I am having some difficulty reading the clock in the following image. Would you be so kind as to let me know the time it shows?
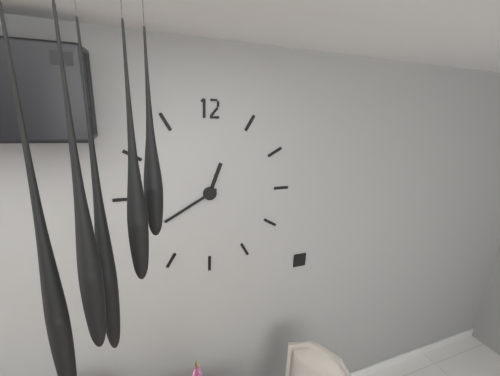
12:40
